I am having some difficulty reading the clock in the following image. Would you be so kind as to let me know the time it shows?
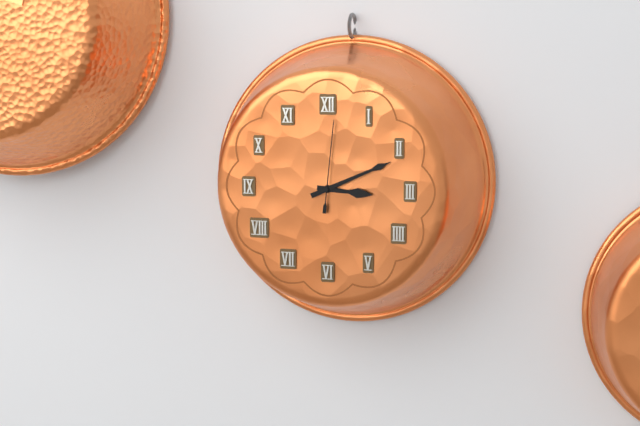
3:11:01
